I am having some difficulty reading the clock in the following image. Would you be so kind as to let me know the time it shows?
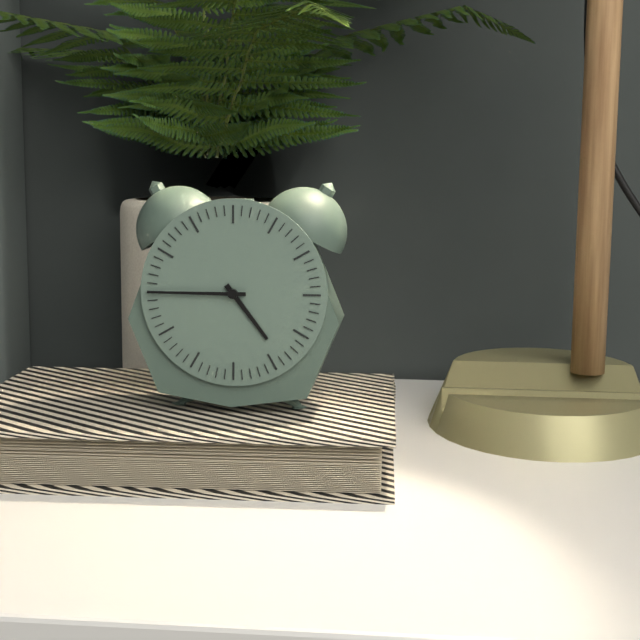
4:45
